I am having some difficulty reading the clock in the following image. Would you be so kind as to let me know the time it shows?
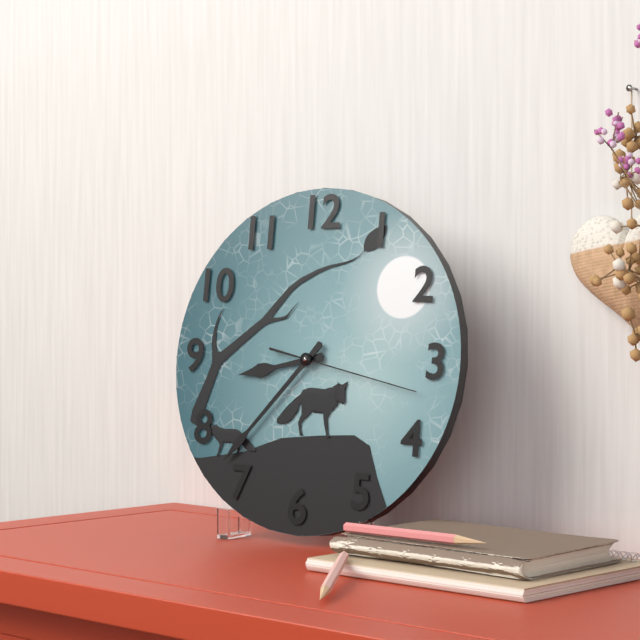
8:37:17
